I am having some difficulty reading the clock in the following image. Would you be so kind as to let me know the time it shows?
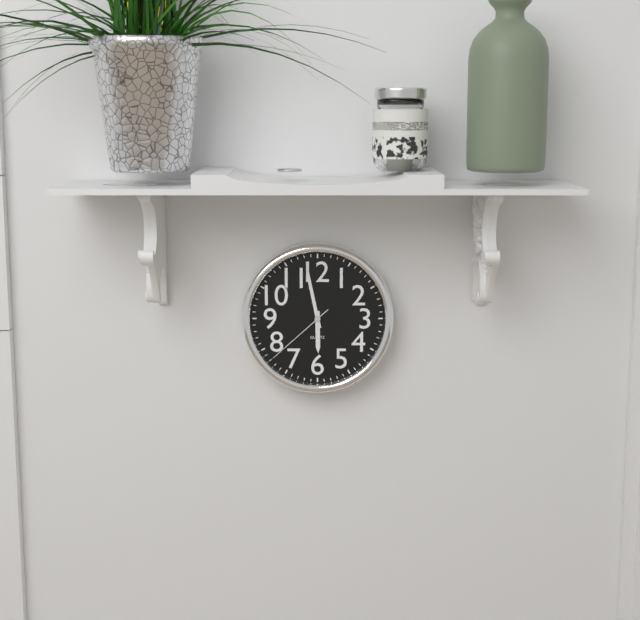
5:58:38
